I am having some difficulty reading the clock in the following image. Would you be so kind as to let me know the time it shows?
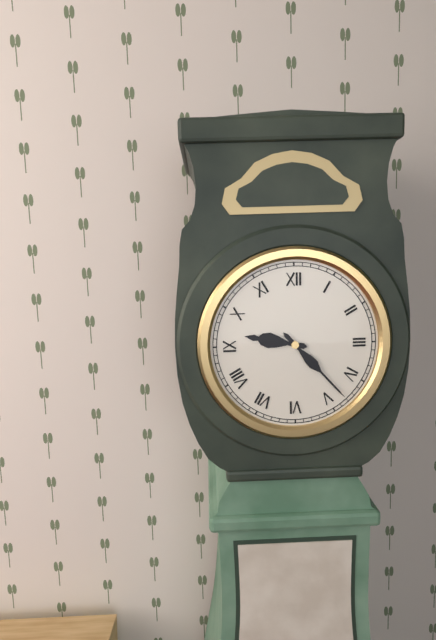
9:23
